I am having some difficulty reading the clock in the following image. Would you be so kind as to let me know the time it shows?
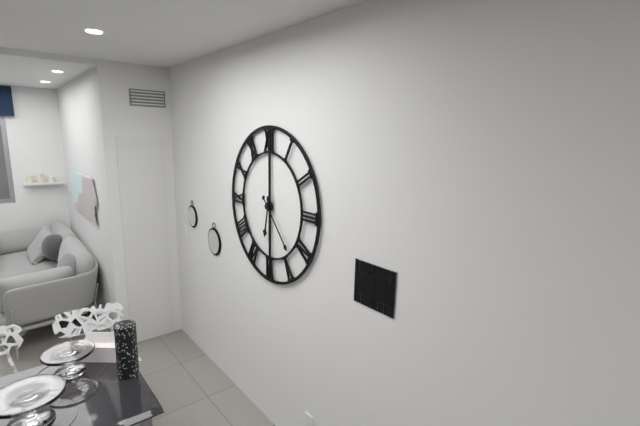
6:23
